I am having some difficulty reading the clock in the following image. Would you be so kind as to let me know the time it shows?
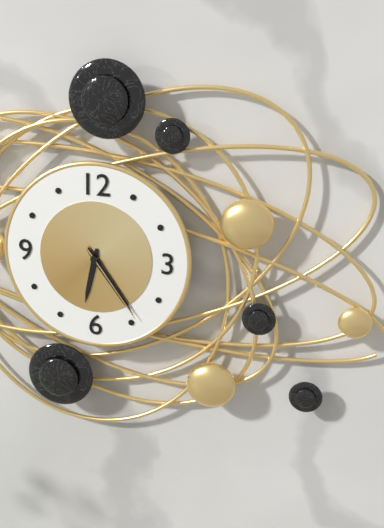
6:24:24
